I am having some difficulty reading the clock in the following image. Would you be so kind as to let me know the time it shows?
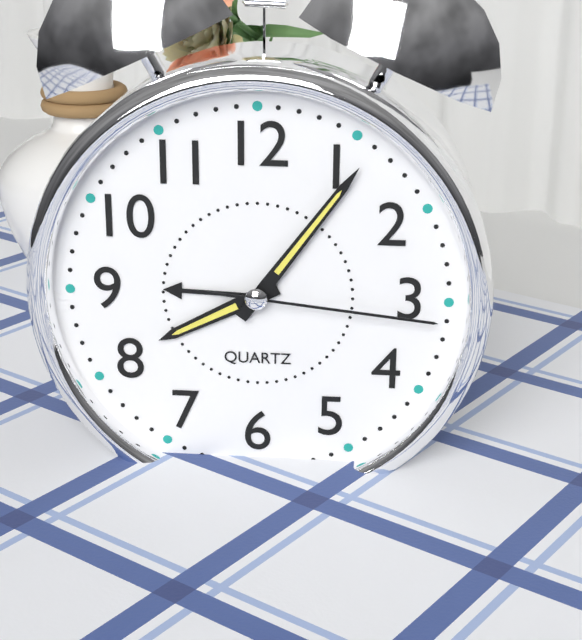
8:06:16
